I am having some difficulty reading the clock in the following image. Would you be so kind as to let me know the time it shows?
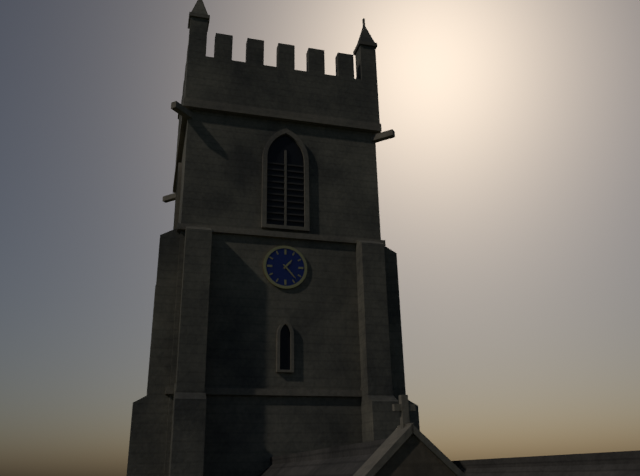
1:23
